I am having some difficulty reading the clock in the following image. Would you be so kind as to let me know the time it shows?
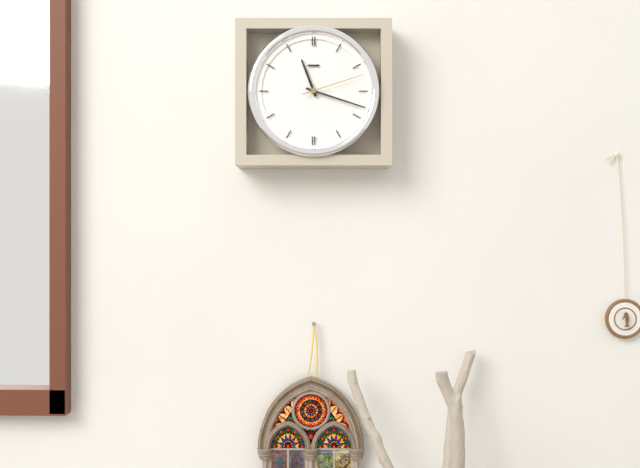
11:18:12
